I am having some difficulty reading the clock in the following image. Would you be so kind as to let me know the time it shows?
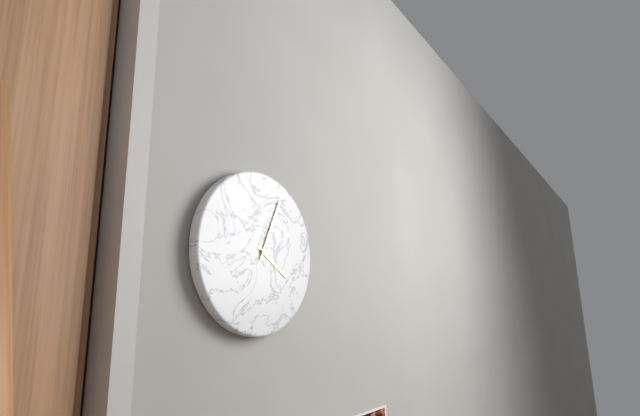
4:04
